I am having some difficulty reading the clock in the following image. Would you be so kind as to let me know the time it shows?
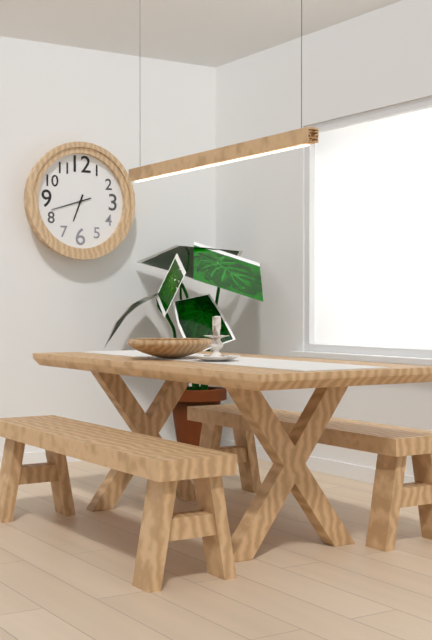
6:42
